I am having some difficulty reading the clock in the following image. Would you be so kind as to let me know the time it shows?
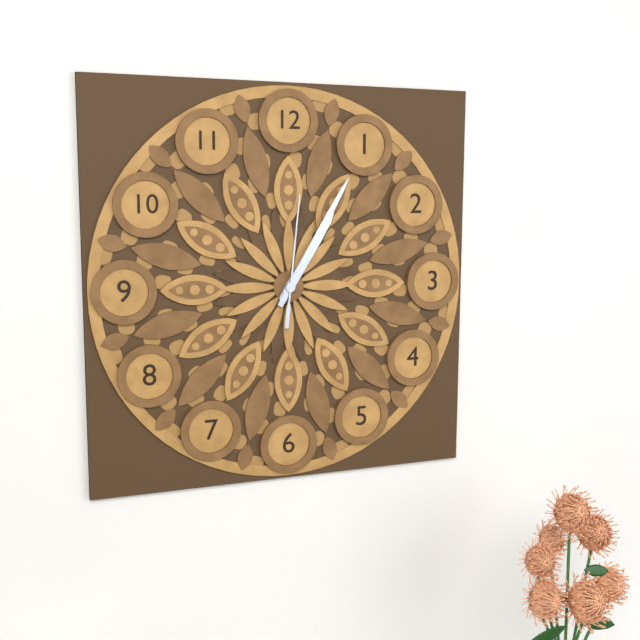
1:05:01
